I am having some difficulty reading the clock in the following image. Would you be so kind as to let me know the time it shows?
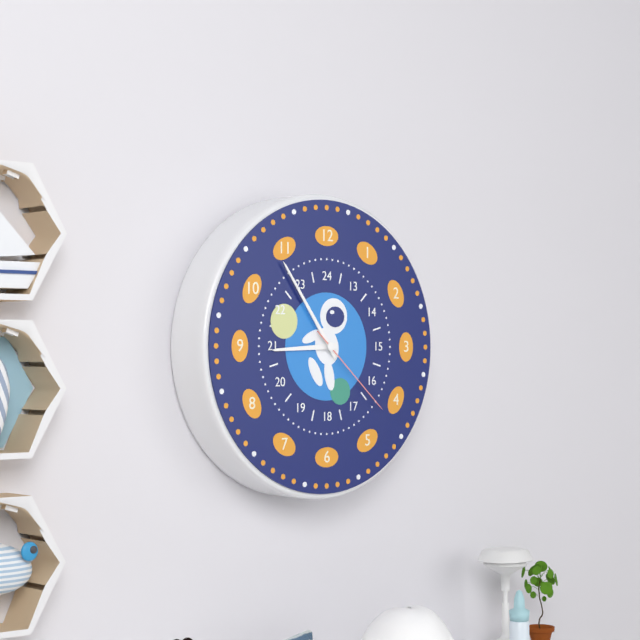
8:54:22
